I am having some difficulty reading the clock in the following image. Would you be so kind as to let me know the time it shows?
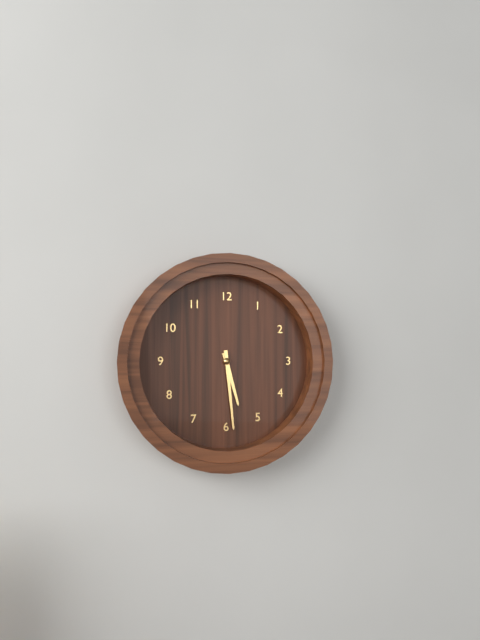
5:29
